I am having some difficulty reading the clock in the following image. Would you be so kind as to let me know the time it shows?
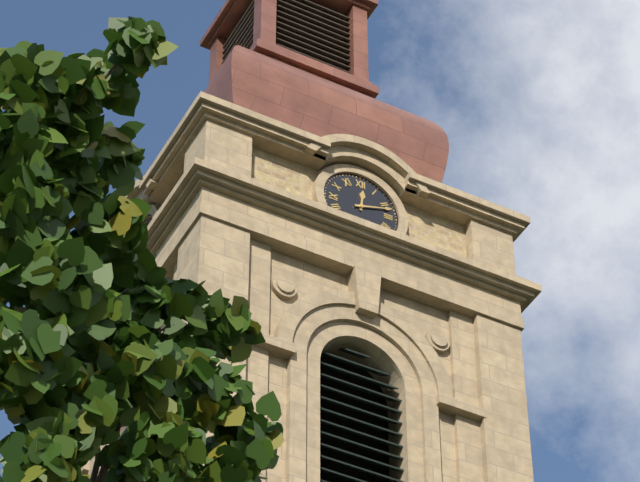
12:12
